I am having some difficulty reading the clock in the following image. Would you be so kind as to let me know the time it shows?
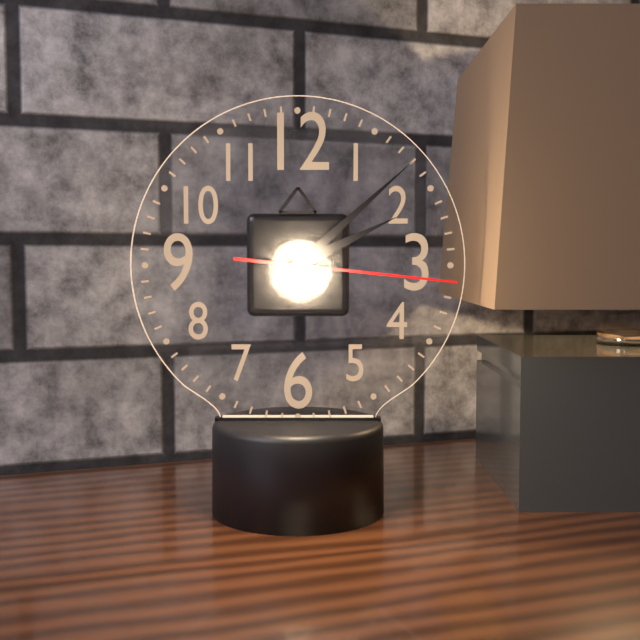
2:08:16
